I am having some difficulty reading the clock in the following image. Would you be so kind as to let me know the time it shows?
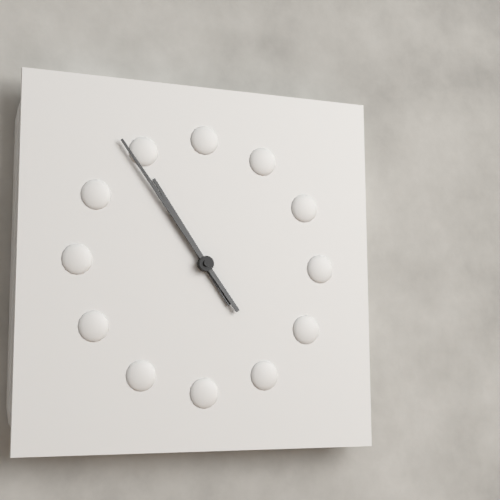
10:54
